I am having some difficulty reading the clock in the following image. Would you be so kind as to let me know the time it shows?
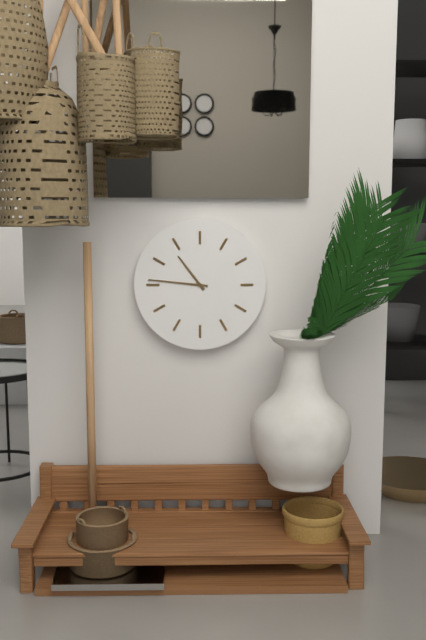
10:46
